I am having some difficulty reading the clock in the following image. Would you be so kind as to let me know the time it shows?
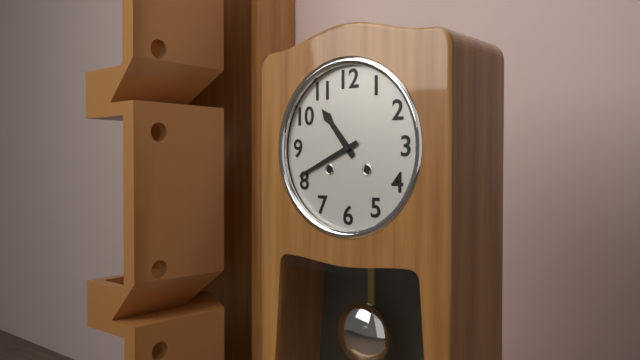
10:41
